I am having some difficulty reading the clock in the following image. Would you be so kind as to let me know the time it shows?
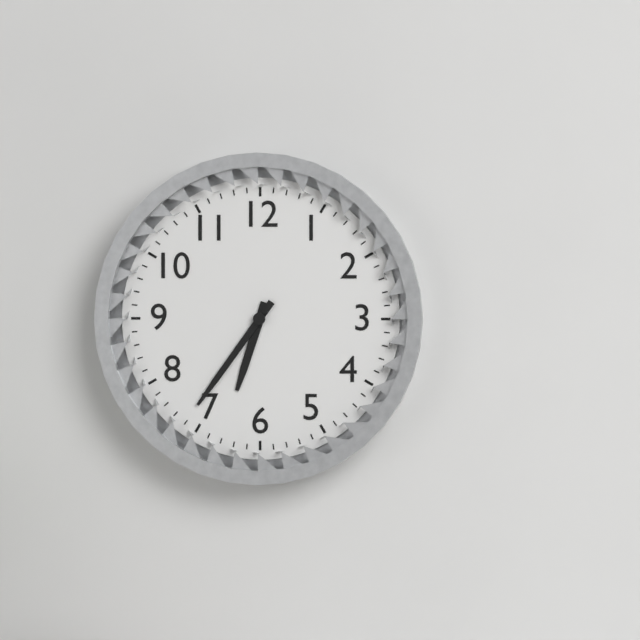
6:36
